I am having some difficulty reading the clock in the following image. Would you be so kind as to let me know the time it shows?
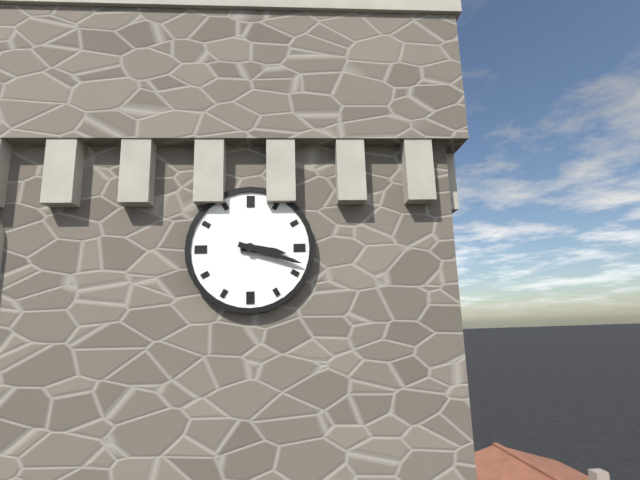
3:18
